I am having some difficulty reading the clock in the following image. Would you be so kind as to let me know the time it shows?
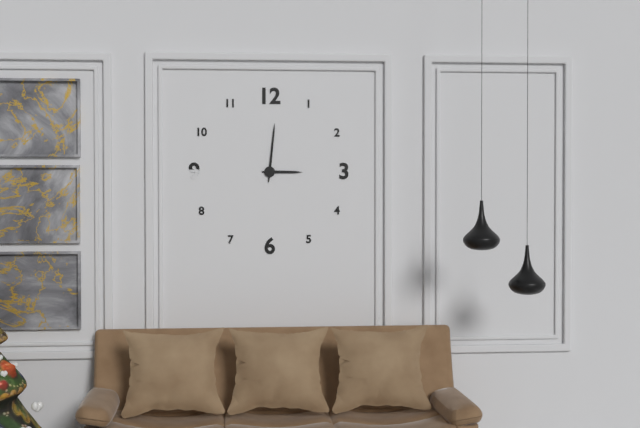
3:01
